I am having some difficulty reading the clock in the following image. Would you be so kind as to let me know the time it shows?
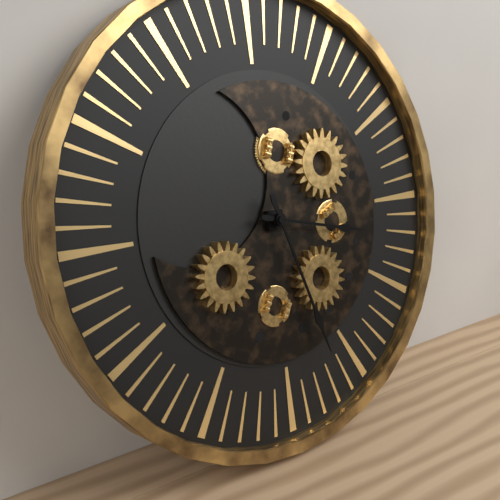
3:27
